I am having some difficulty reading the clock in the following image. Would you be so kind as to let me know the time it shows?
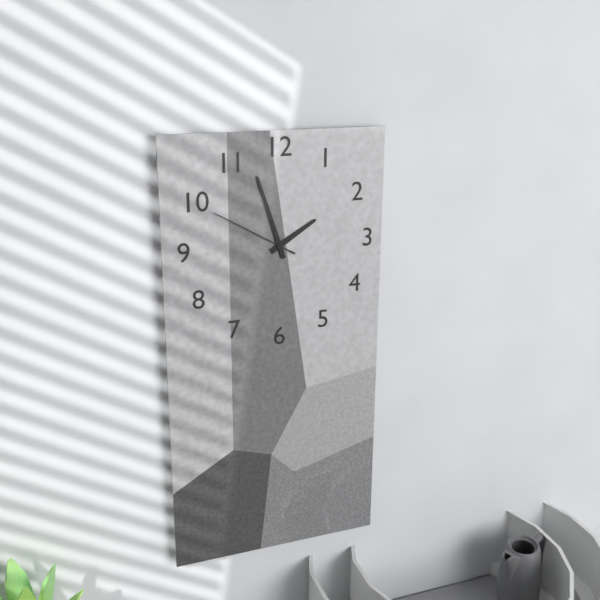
1:57:50
